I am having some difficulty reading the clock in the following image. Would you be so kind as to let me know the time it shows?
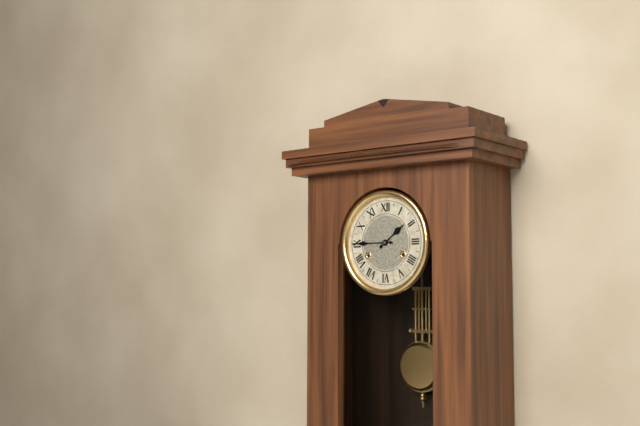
1:45
